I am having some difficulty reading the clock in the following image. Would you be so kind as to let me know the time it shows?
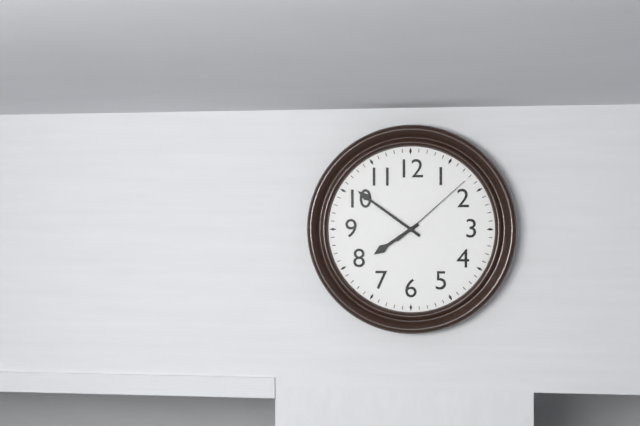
7:51:08
